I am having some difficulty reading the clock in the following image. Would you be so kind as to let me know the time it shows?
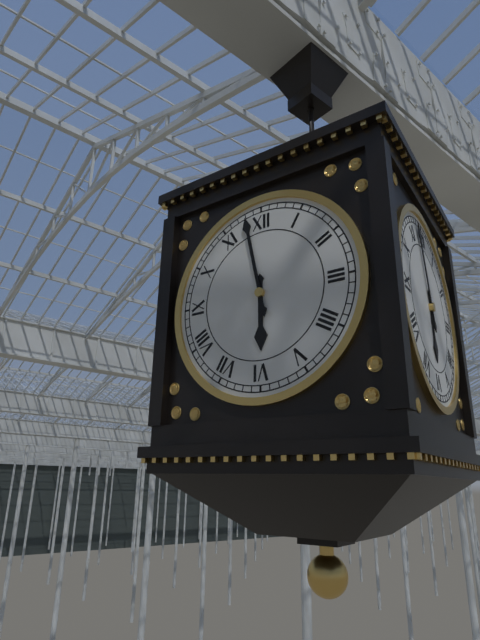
5:58
